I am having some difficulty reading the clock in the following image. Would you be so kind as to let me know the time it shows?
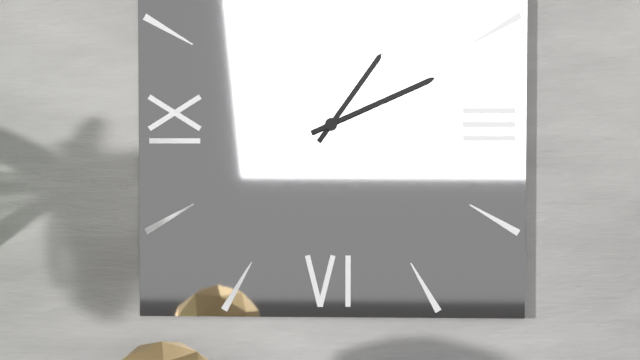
1:11
